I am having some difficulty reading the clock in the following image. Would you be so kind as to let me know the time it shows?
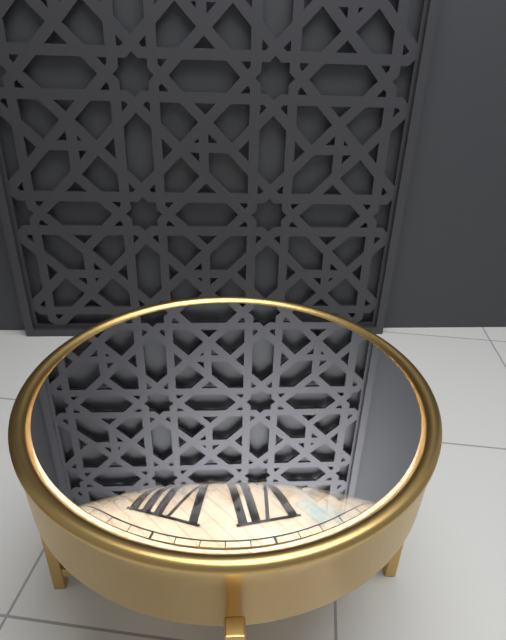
12:35
